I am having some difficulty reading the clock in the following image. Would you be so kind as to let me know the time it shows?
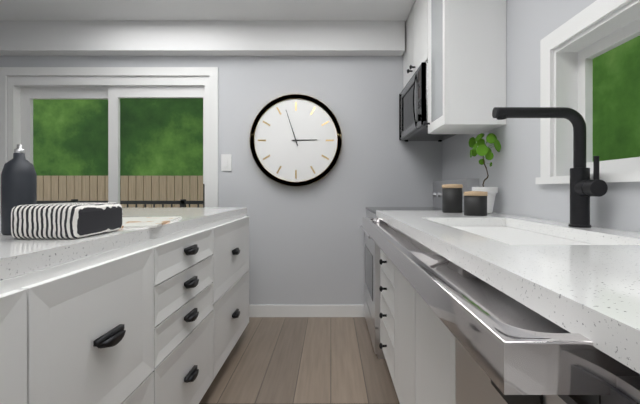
2:57
